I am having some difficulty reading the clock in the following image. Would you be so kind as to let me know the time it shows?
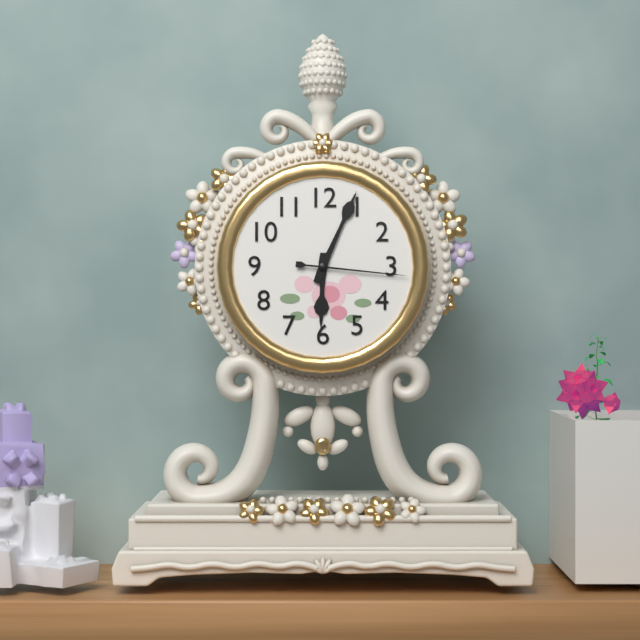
6:04:16
